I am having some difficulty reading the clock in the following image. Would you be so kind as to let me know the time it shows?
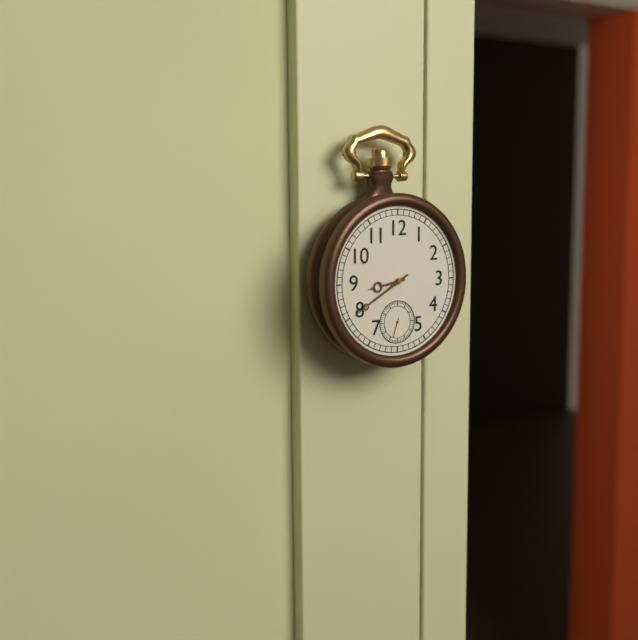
8:40
